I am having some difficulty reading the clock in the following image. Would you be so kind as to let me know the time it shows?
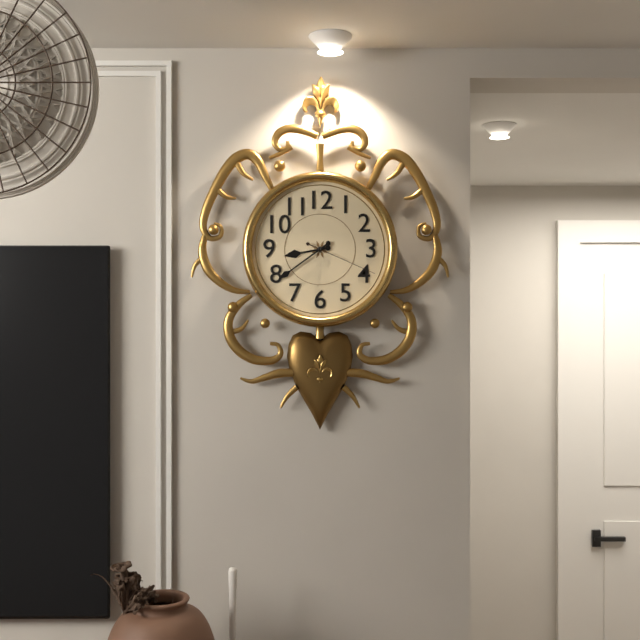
8:39:19
